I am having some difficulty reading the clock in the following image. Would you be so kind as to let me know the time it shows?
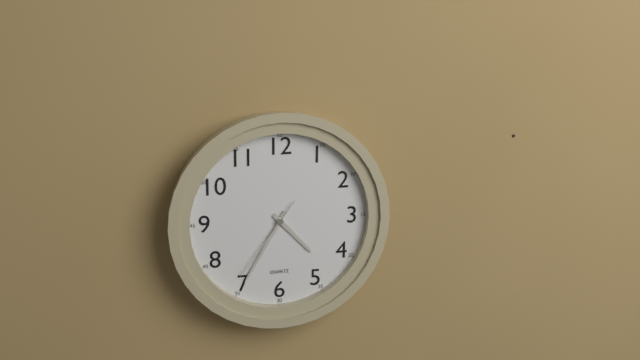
4:35:36
